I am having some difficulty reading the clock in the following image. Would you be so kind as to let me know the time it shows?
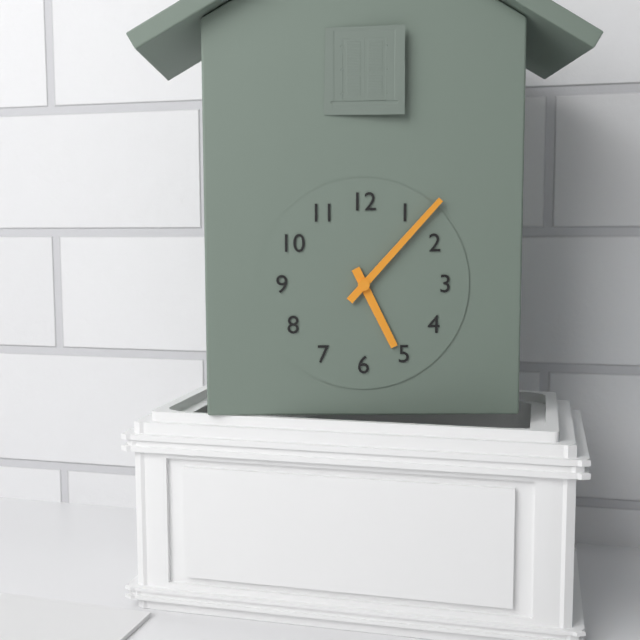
5:07
